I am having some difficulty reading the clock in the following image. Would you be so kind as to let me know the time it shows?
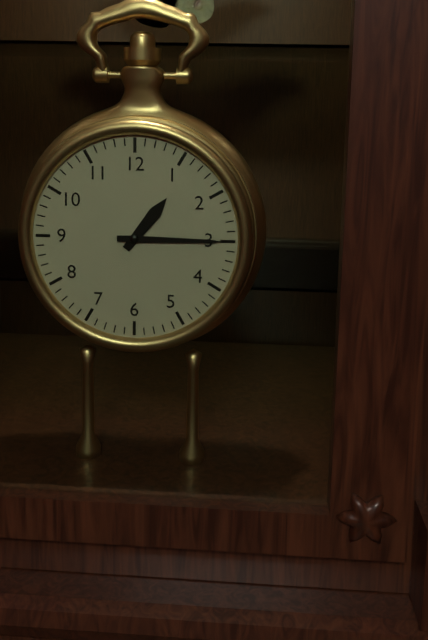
1:15
